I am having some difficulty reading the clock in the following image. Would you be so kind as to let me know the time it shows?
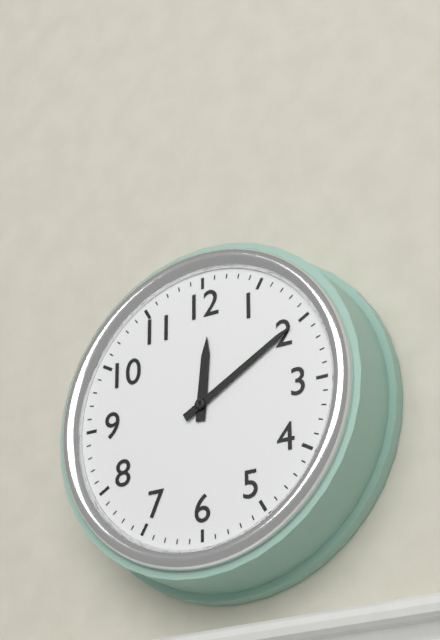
12:10
